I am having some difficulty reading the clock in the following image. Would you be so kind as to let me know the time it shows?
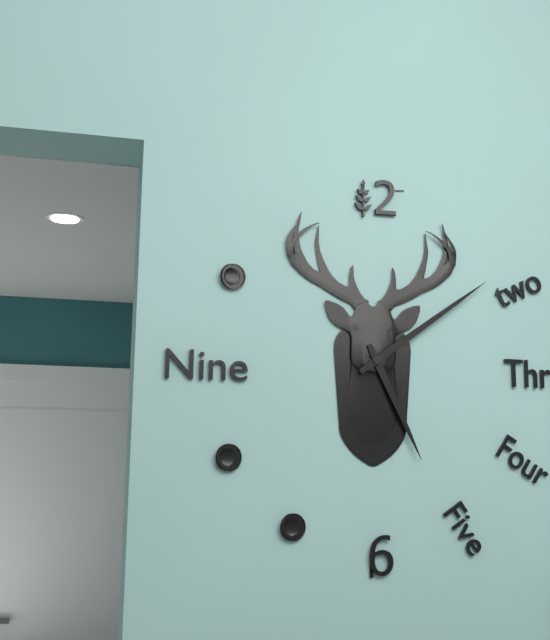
5:09
